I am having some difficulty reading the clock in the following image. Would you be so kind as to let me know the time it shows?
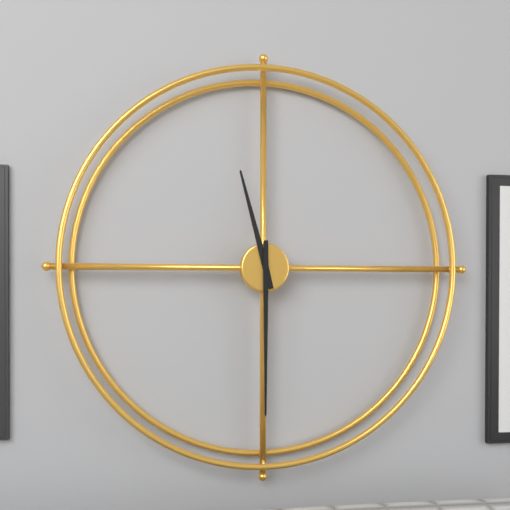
11:30
